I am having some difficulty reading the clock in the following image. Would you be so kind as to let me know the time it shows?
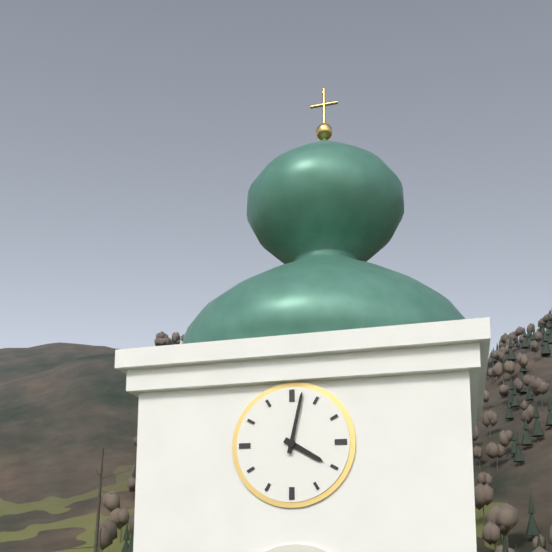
4:02
